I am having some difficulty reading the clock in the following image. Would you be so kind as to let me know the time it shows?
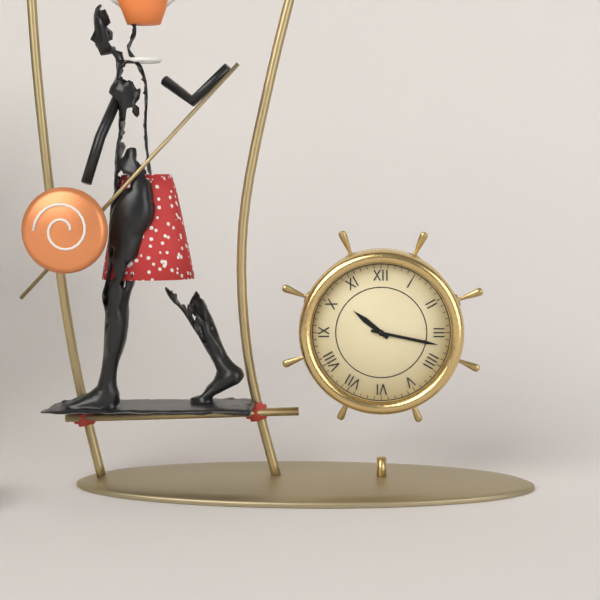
10:17
